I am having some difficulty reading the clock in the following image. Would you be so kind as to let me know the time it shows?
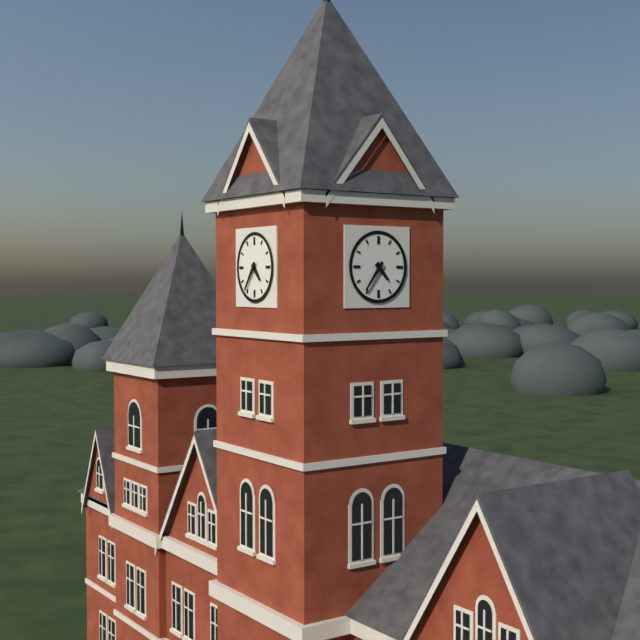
4:36
